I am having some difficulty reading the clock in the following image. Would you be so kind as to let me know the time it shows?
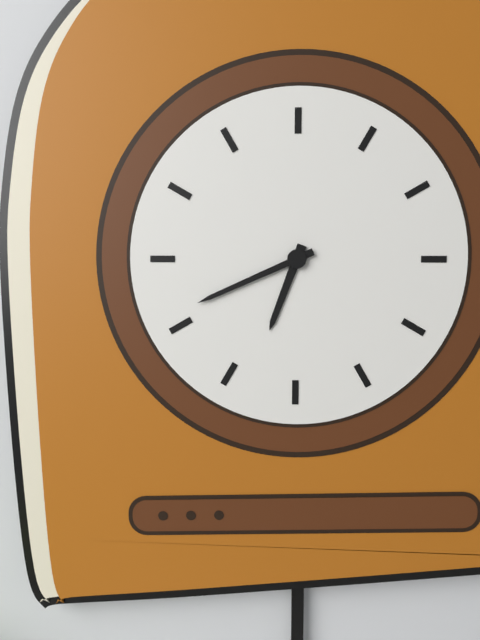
6:41
